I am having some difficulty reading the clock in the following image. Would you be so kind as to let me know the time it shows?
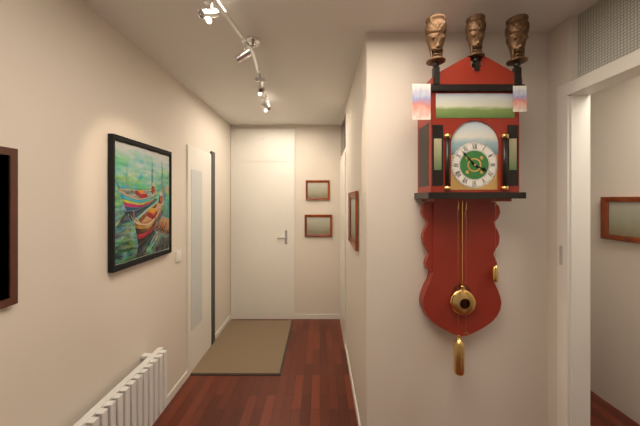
3:53
